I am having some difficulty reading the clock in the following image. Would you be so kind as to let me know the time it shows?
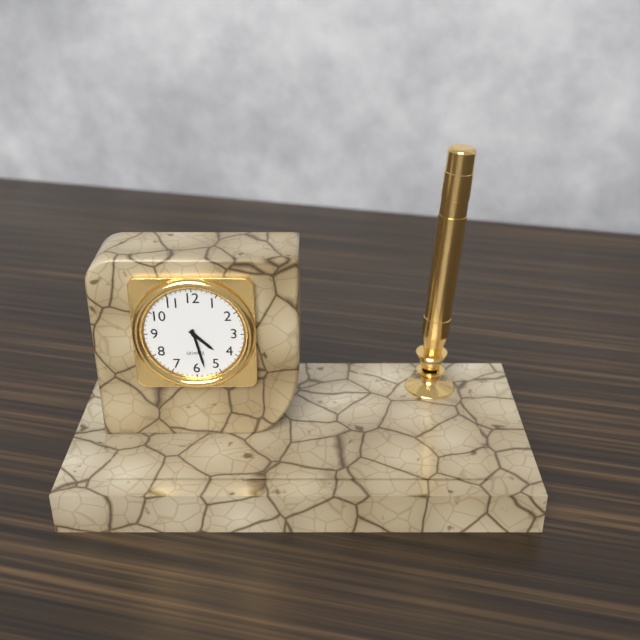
4:28
